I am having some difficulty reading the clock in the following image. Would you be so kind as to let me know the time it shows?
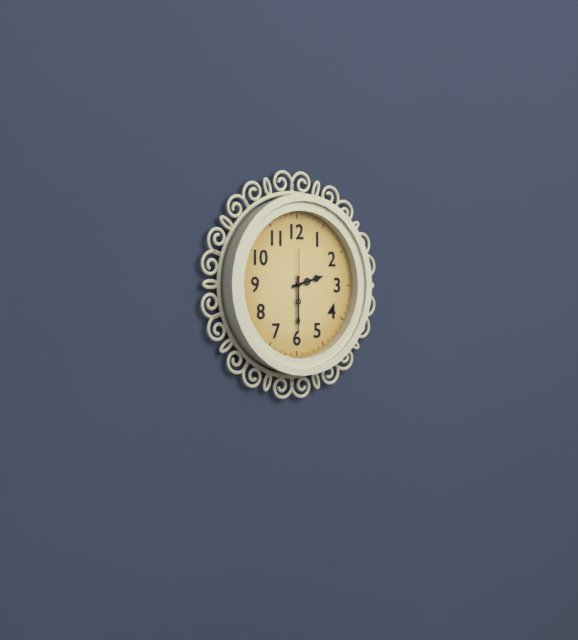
2:30
